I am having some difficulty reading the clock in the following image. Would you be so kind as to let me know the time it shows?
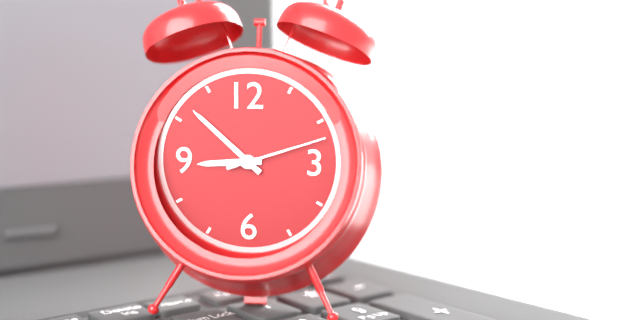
8:52:12
